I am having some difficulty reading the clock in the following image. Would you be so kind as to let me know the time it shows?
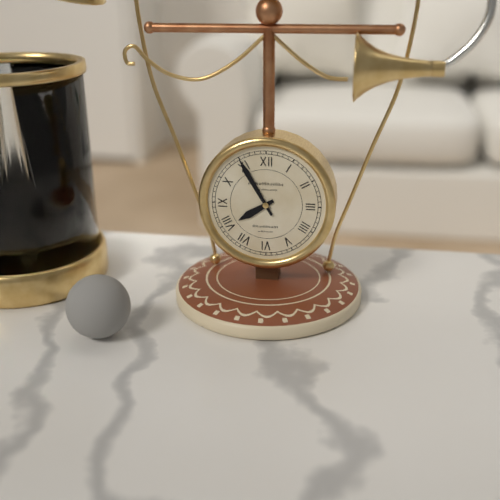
7:55
